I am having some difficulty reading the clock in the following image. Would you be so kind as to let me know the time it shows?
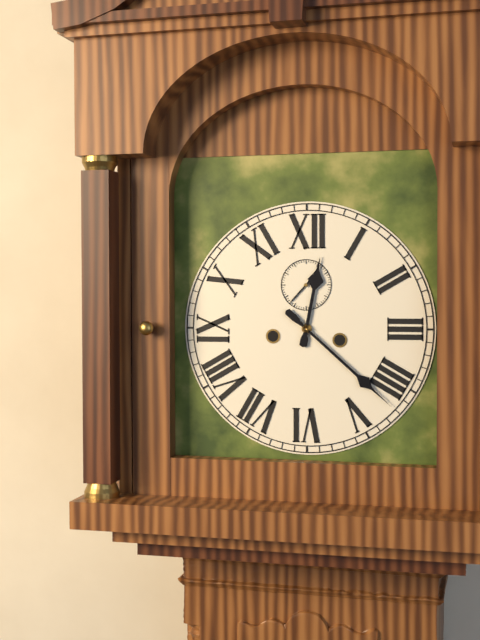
12:22
